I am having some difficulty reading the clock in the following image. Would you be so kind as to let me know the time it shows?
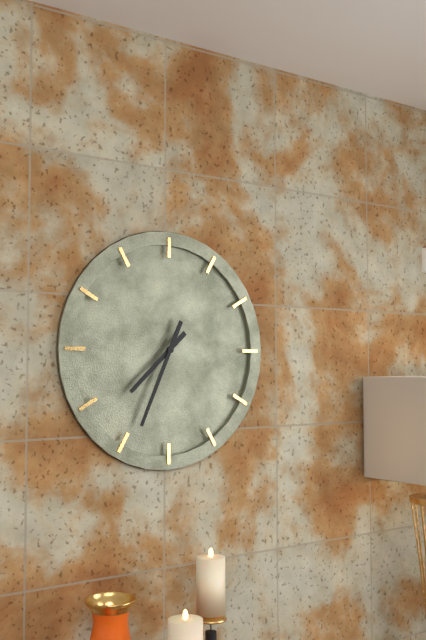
7:34
